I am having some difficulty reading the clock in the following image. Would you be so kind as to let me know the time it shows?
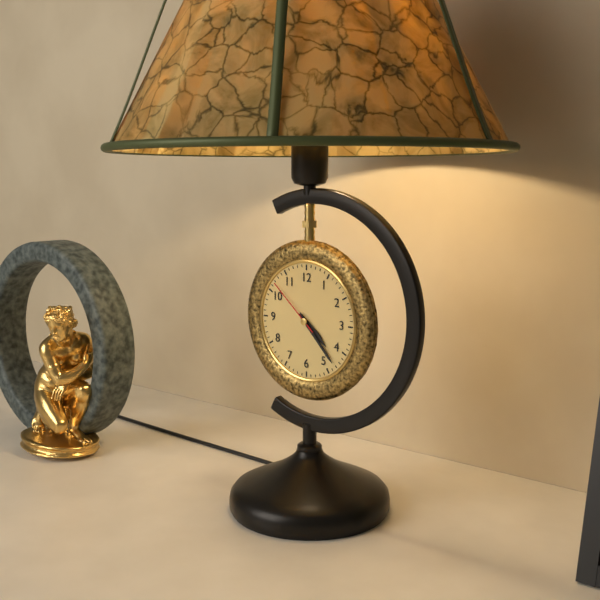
4:23:52
